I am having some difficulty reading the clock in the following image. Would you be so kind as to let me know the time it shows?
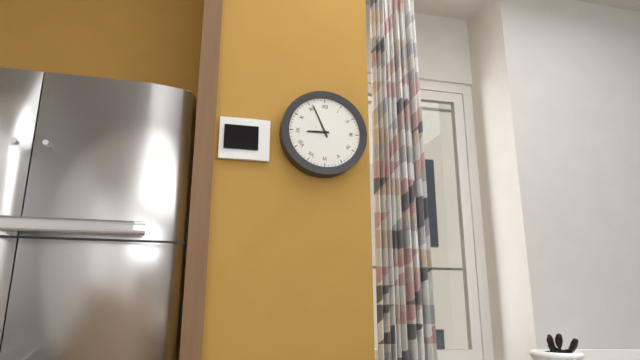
8:56
